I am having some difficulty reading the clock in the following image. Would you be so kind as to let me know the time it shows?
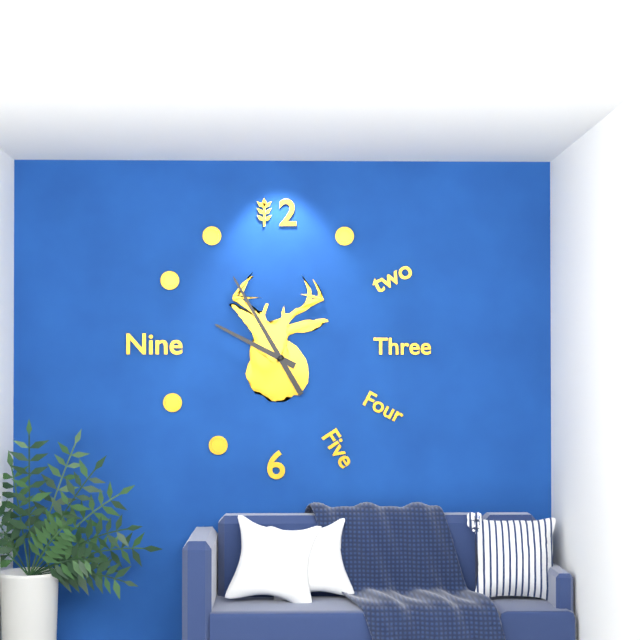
9:55
